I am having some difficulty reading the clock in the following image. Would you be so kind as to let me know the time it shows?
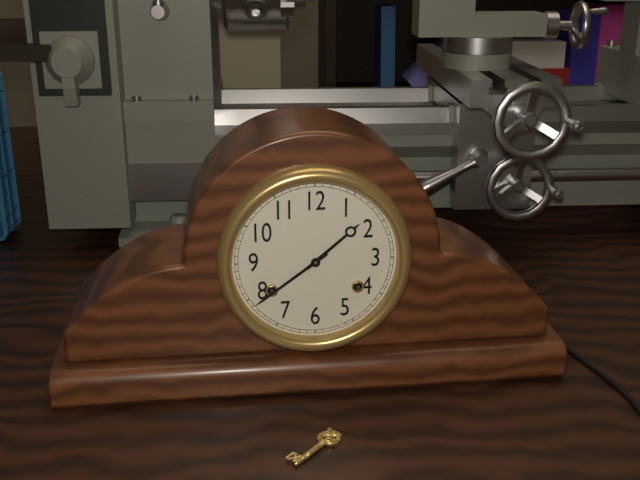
1:39
